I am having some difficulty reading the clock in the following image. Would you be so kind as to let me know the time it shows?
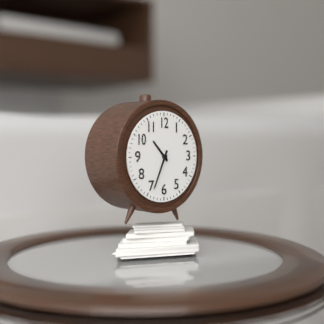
10:34
